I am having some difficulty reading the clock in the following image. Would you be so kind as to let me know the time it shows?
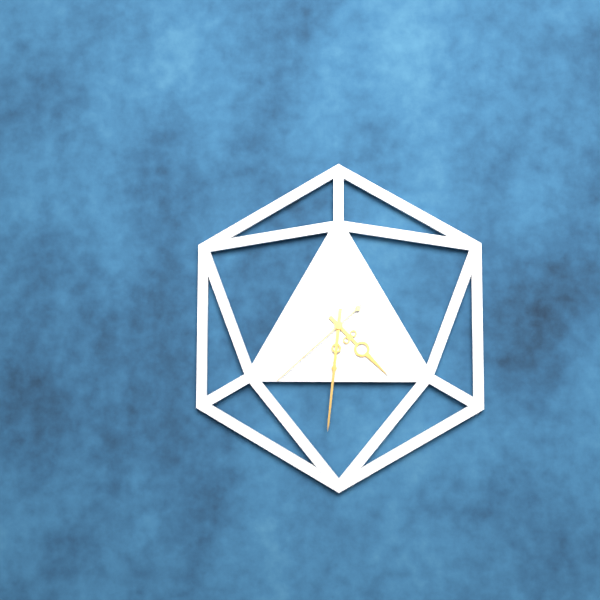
4:31:38
